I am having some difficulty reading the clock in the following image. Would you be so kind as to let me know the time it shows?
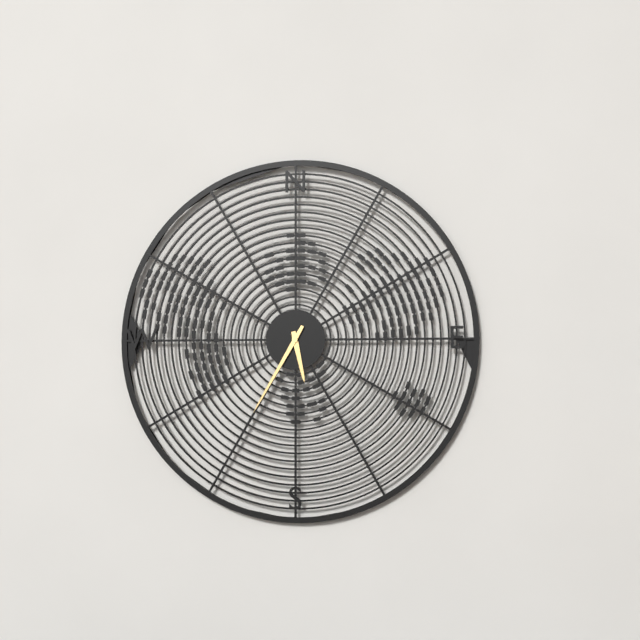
5:35
